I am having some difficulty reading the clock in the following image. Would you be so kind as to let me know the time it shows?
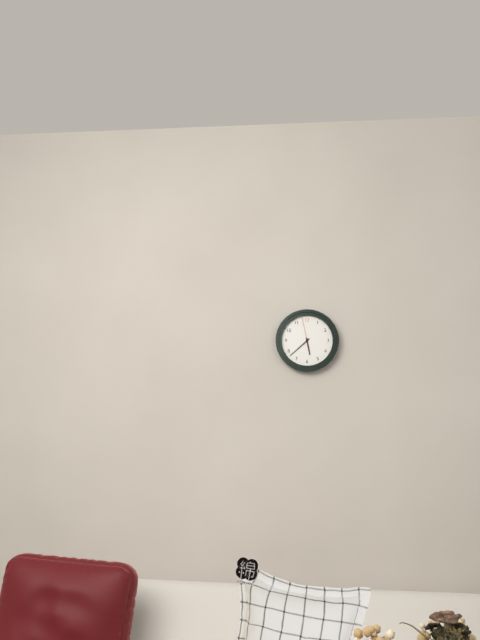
5:38
